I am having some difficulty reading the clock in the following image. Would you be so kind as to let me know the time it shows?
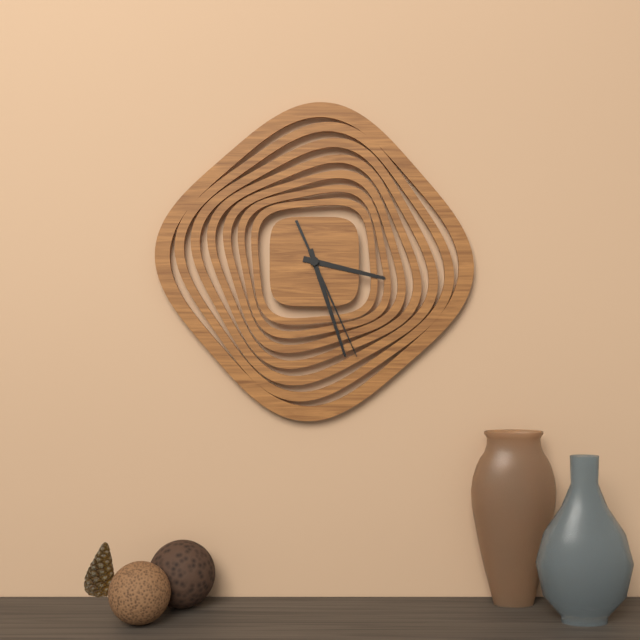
3:27:26
